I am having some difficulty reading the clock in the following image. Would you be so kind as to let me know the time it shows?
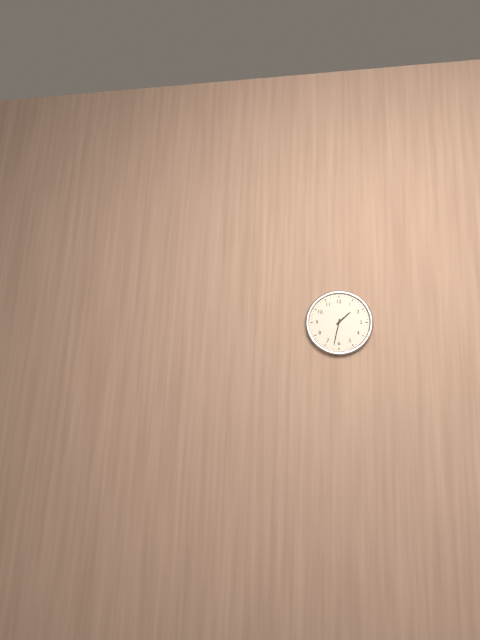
1:32
